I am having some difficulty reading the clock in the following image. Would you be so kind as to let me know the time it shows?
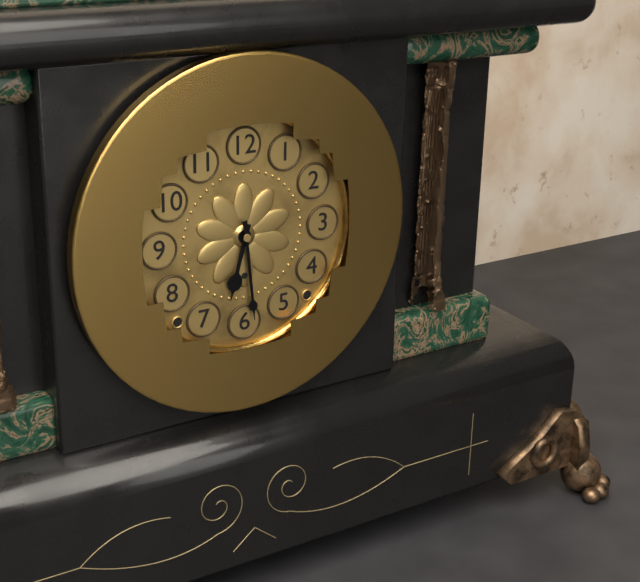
6:29
